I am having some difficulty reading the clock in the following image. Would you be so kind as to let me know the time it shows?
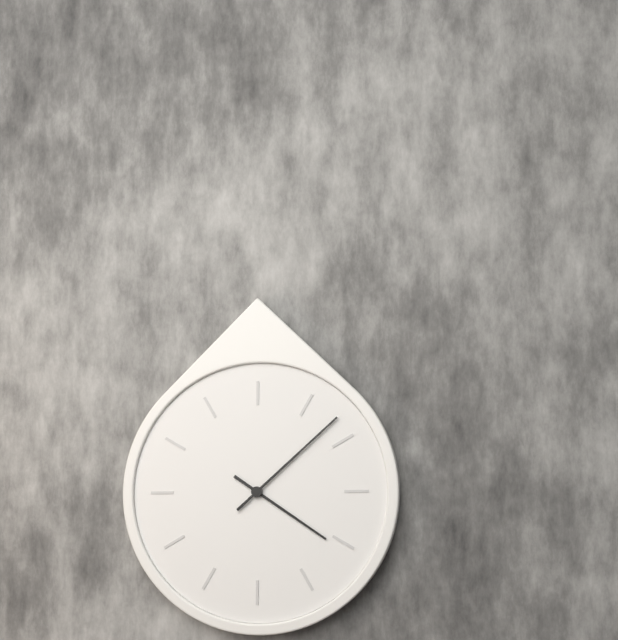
4:08
